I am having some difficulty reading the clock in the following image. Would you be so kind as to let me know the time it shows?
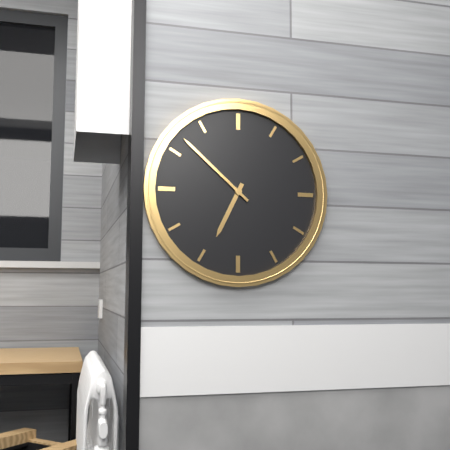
6:52
